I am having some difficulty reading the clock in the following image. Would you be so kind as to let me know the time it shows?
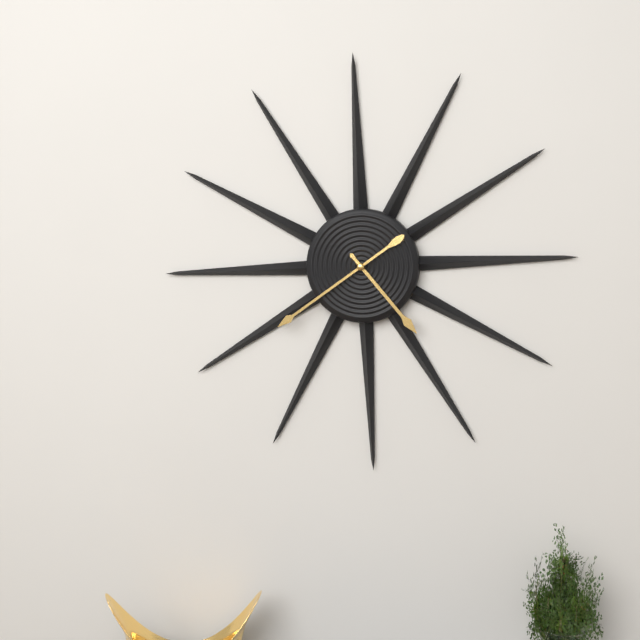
4:39
